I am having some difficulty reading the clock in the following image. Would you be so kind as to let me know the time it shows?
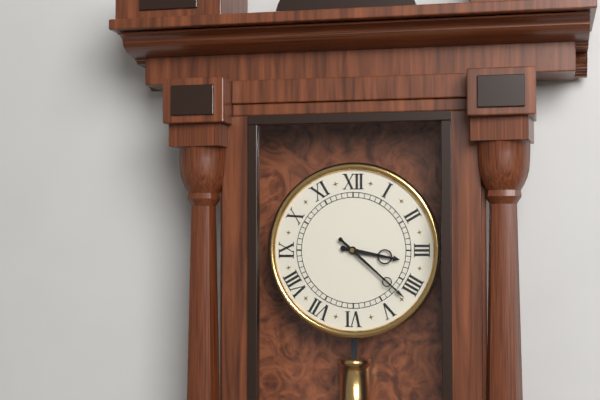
3:22
